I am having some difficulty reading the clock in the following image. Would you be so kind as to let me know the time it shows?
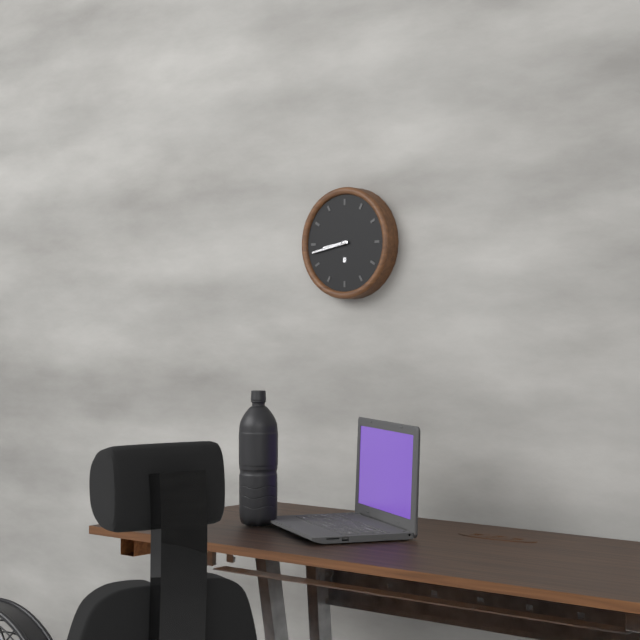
8:43
